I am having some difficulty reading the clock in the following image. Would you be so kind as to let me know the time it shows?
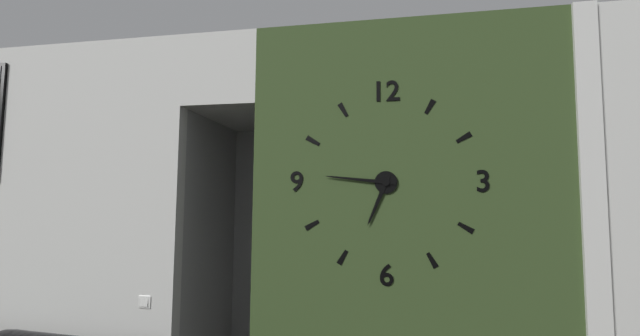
6:46
